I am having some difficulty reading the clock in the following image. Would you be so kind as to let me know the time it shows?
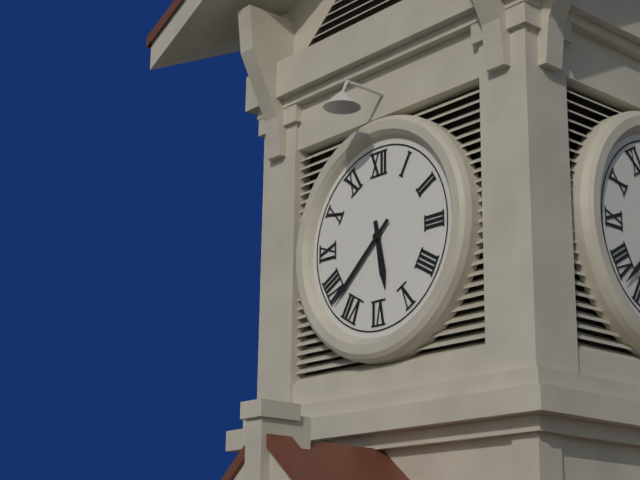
5:38
